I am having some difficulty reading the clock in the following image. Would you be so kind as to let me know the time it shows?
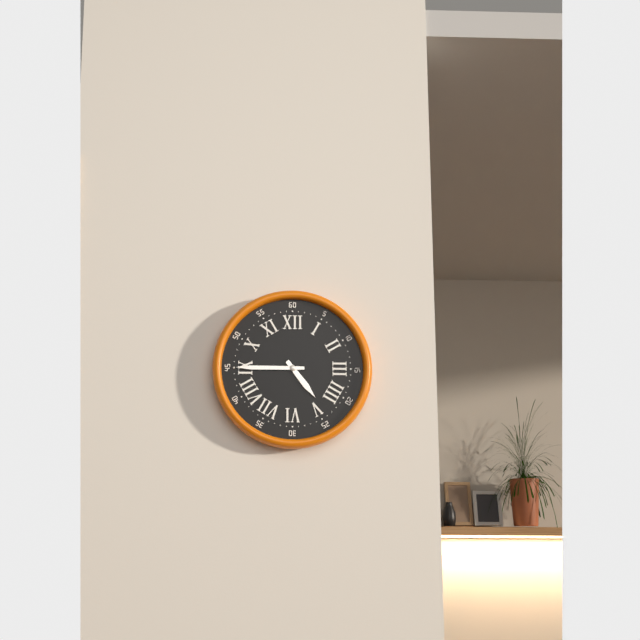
4:45
